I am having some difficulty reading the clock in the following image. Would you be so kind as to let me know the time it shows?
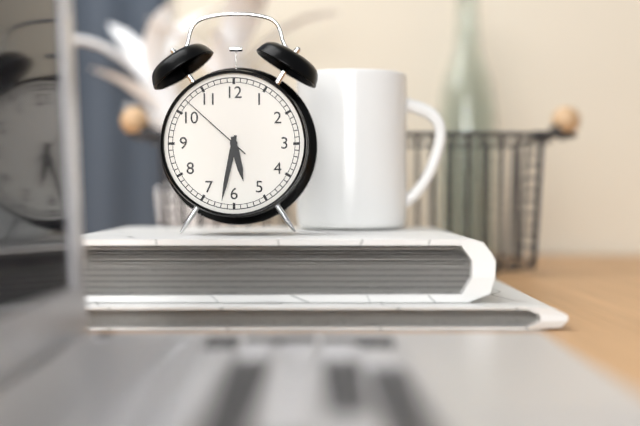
5:32:52
